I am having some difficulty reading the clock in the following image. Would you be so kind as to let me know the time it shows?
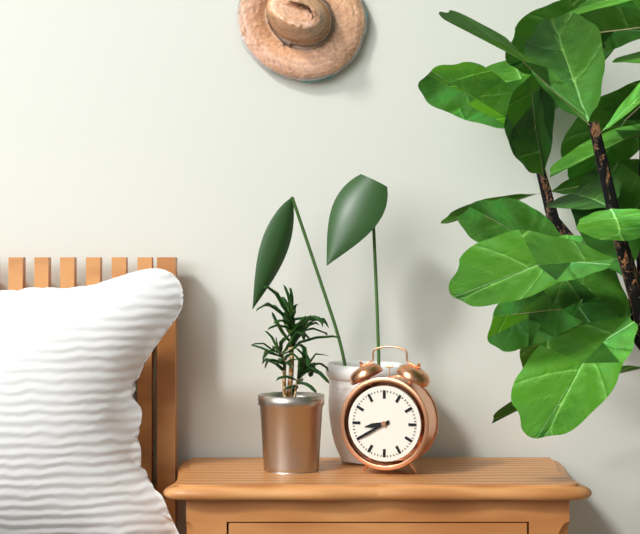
8:40
